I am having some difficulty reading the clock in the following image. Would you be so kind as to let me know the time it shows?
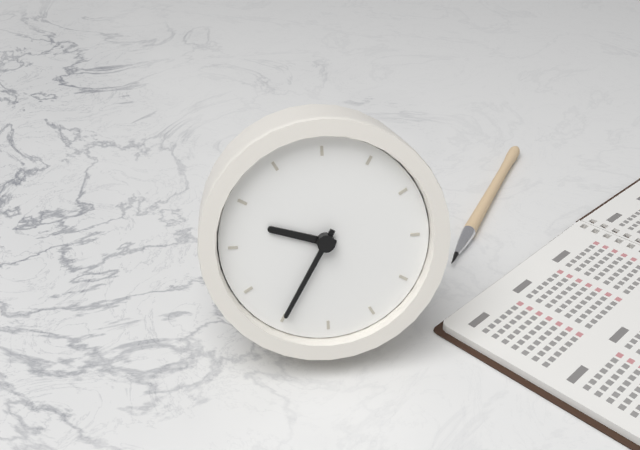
9:35
